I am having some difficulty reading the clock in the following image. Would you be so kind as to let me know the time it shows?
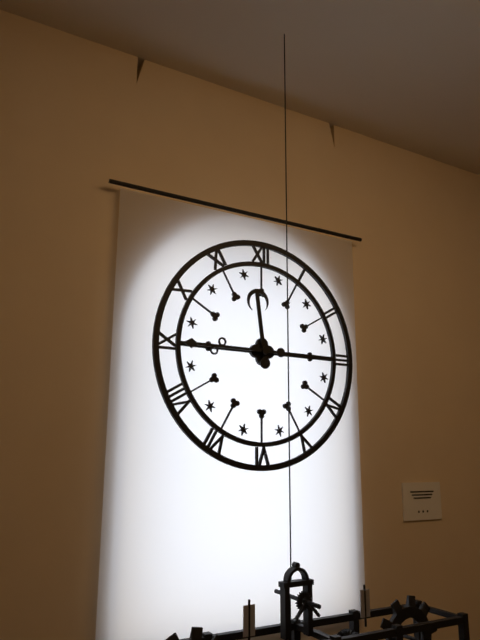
11:45
